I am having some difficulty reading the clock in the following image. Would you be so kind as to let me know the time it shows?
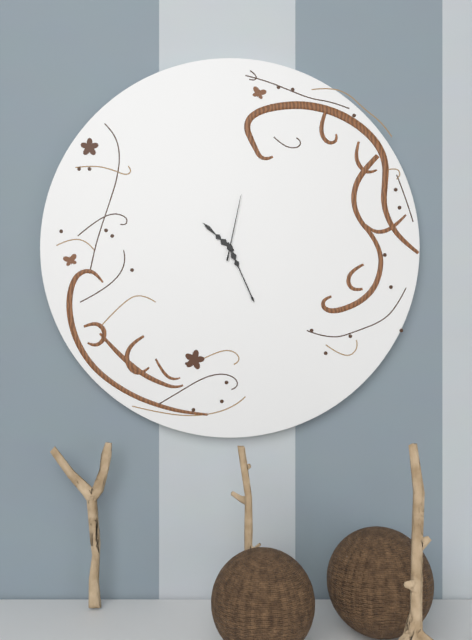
10:26:02
